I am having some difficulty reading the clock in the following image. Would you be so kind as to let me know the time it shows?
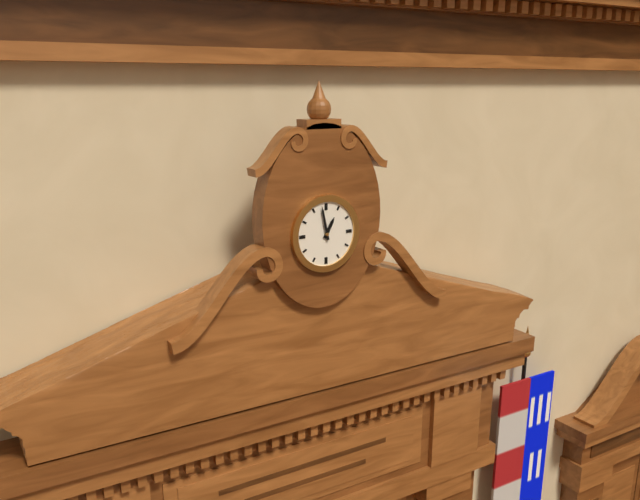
12:58
